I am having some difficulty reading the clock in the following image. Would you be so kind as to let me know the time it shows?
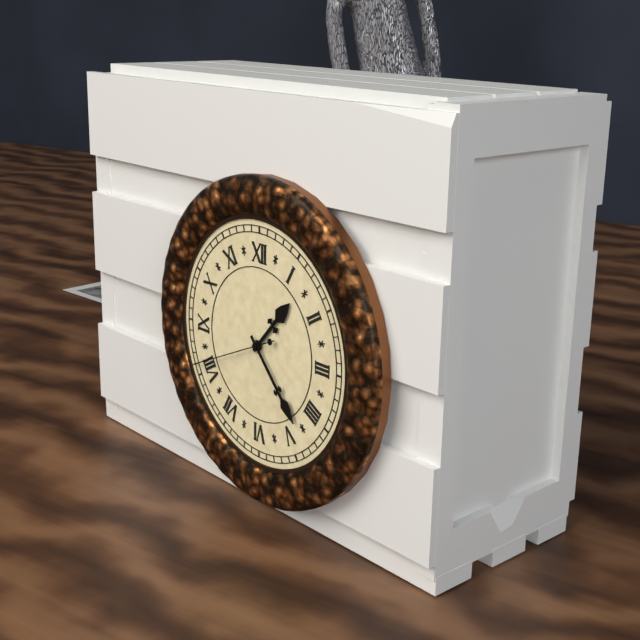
1:23:41
